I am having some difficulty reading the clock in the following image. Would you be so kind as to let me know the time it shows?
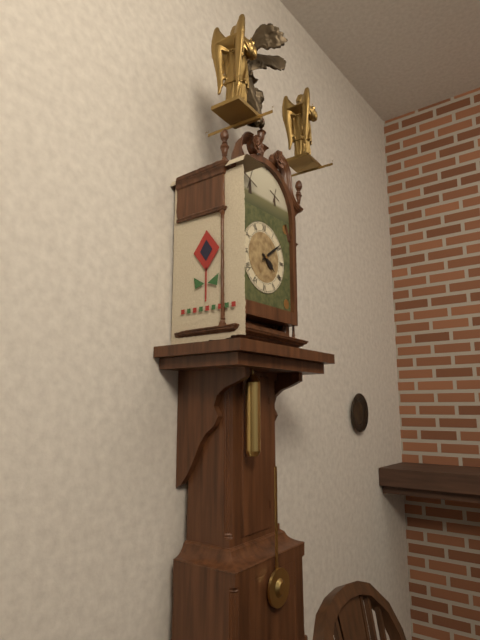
4:09
